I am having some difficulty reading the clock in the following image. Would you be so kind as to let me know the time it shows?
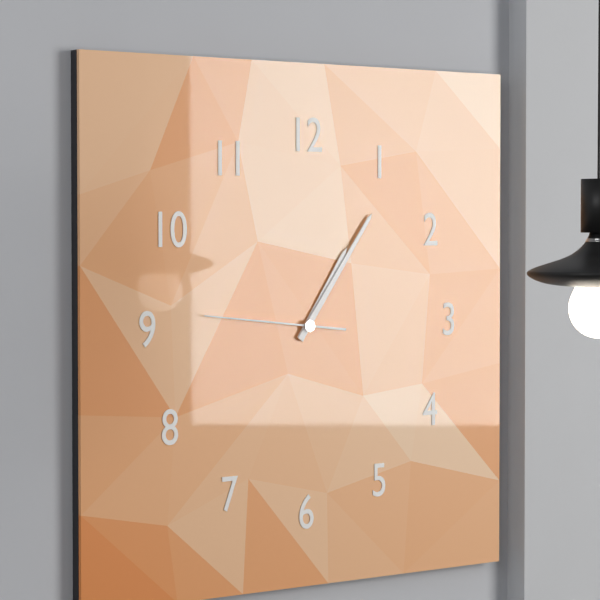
1:06:46
